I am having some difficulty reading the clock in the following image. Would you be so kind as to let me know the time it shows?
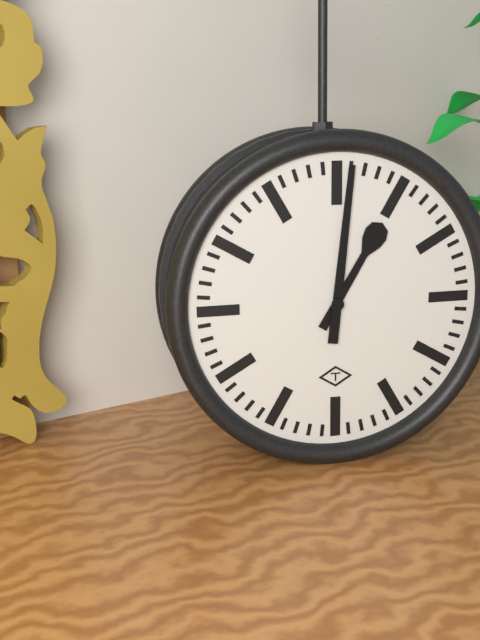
1:01
